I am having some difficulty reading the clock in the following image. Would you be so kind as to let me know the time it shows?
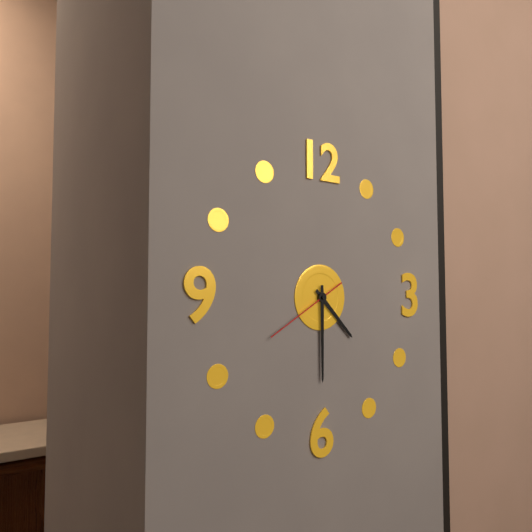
4:30:40
